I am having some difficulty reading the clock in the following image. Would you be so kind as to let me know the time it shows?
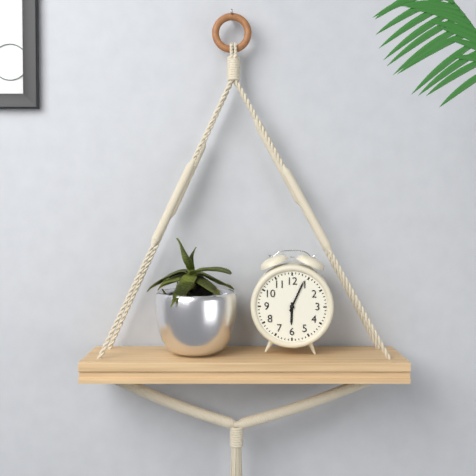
6:04
